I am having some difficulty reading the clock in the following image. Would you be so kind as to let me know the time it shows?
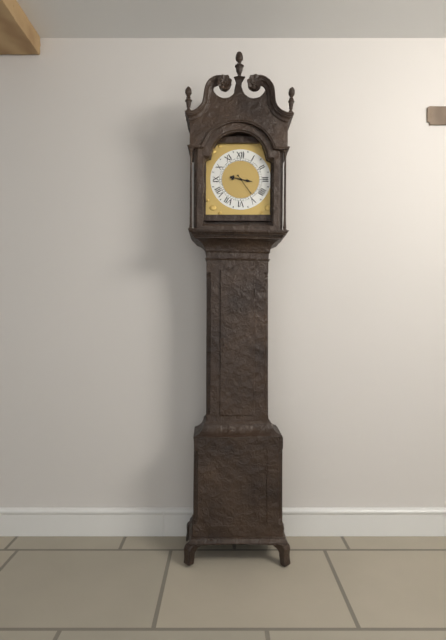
3:24
